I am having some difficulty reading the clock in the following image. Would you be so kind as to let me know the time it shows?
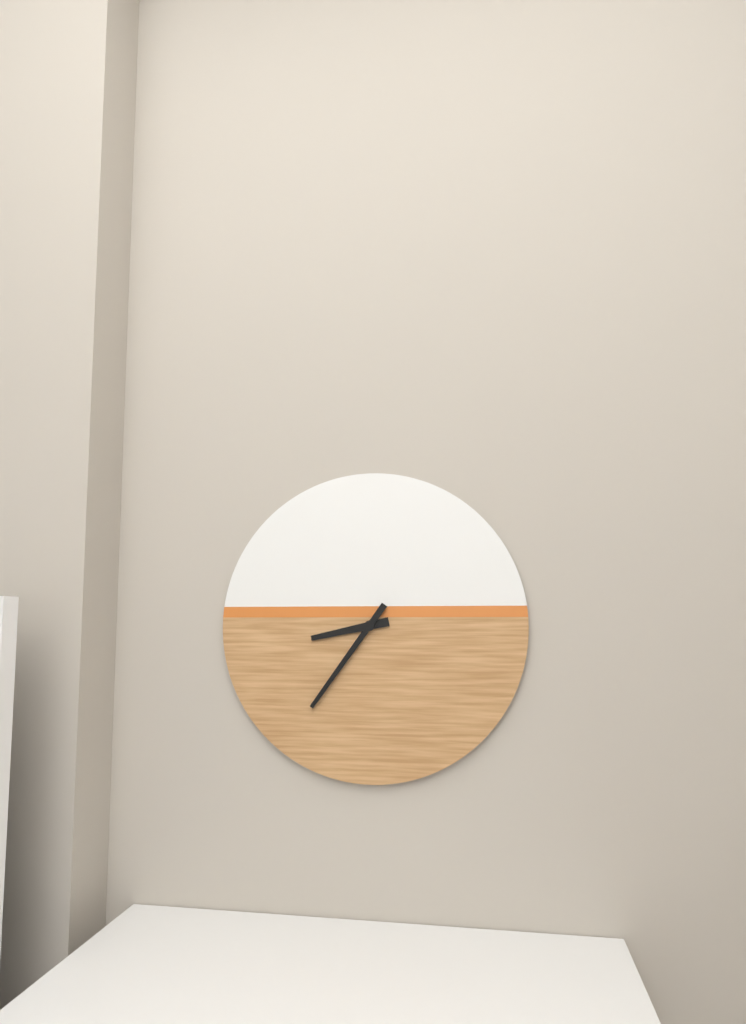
8:36
